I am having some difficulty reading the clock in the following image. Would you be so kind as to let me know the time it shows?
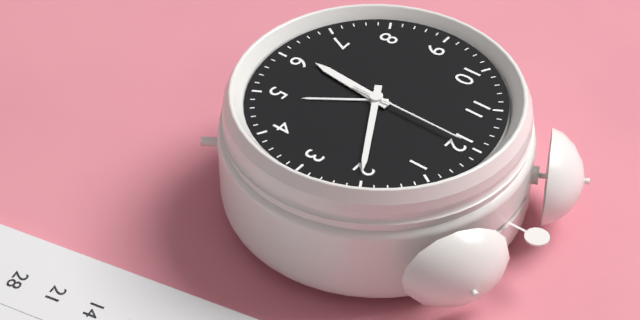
6:10:00
